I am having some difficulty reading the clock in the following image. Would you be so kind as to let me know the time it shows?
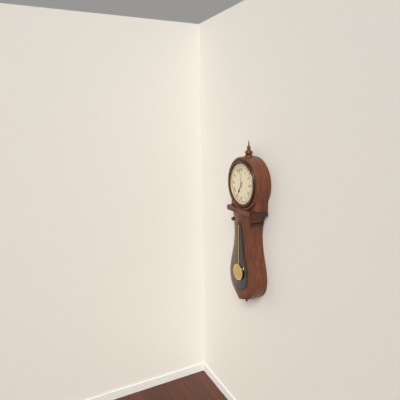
6:58
